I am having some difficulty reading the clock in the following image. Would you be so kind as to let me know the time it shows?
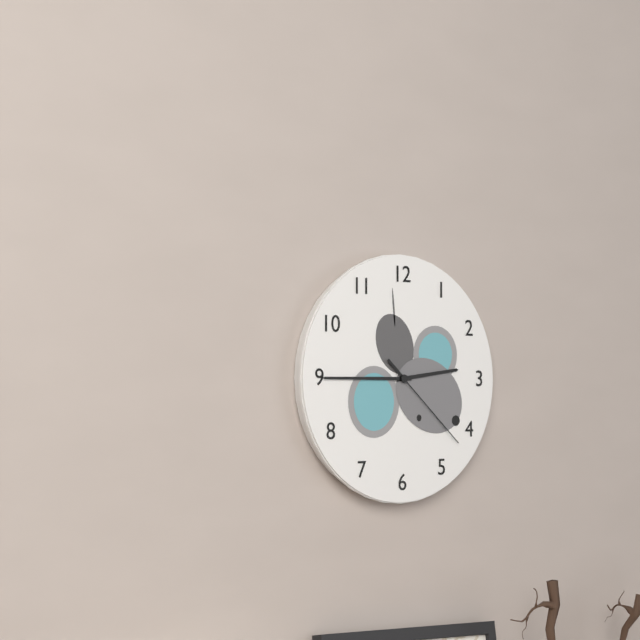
2:45:22
